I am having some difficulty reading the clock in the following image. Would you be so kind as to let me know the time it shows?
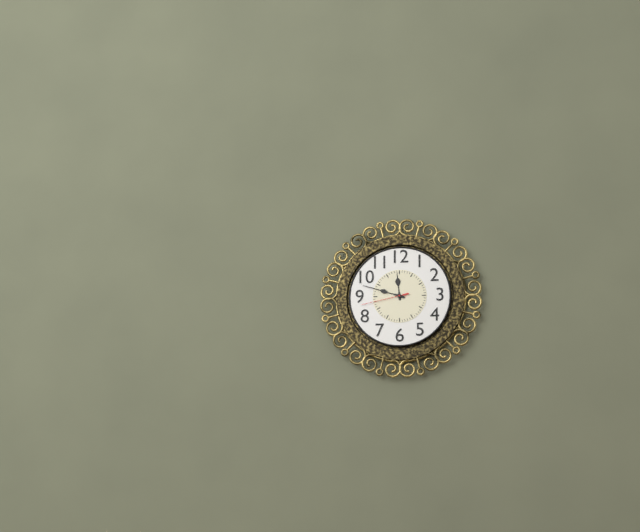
11:48
